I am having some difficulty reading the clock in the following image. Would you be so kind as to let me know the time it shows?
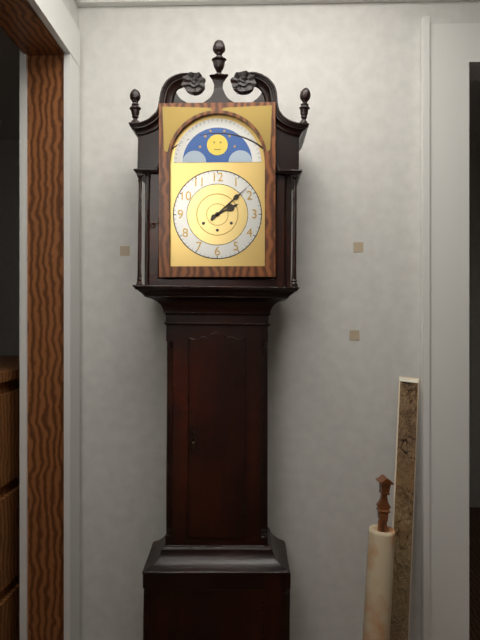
2:08
